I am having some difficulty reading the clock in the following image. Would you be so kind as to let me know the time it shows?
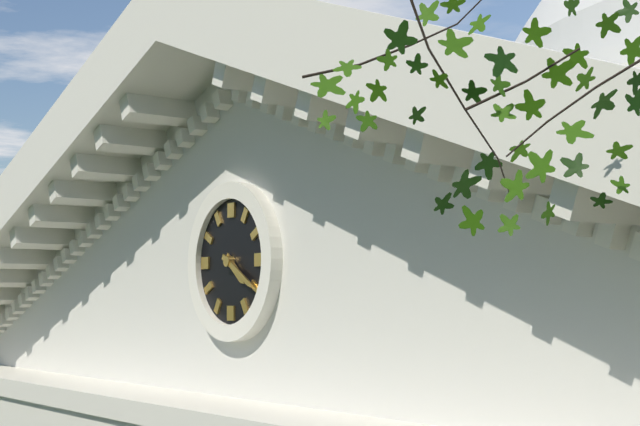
4:20
